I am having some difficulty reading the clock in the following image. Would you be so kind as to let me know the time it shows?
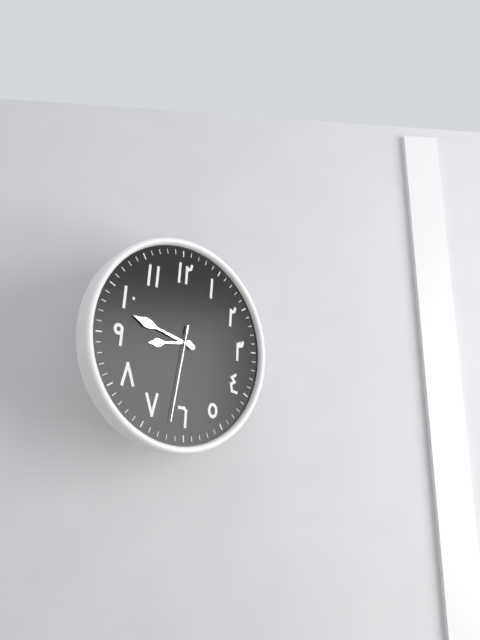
8:48:32
